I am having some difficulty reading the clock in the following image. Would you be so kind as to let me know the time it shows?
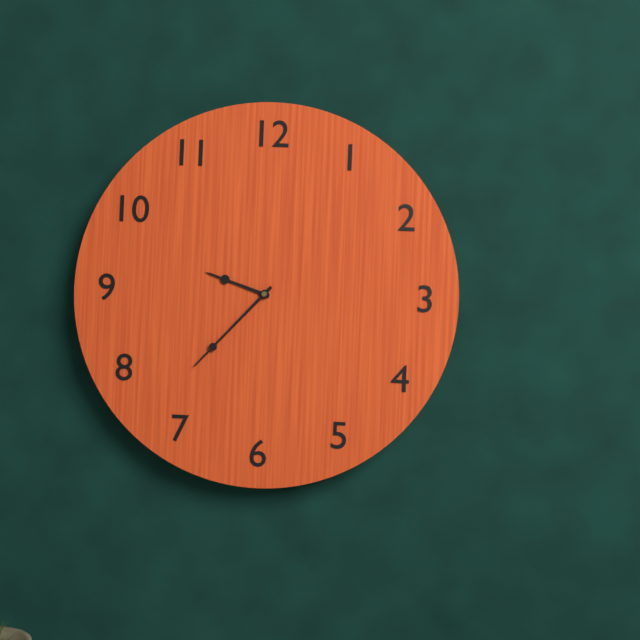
9:37
